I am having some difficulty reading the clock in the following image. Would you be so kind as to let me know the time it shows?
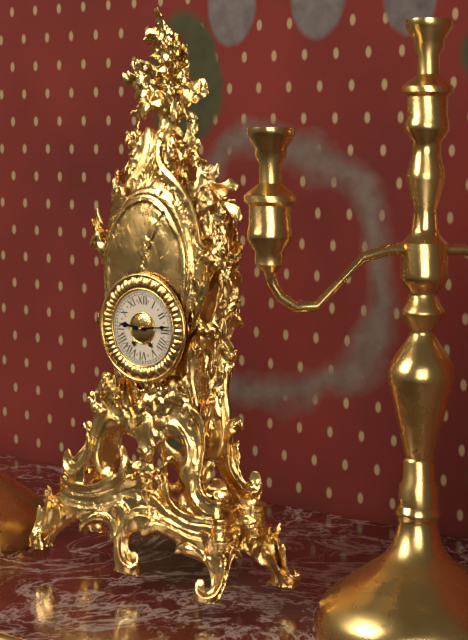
9:14
